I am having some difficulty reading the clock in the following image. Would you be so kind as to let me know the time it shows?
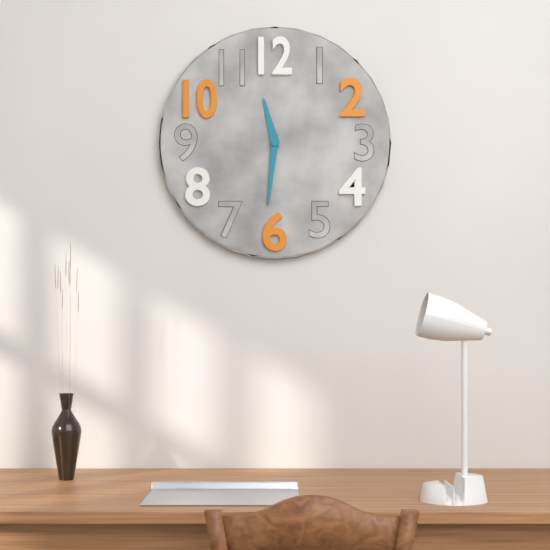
11:31
